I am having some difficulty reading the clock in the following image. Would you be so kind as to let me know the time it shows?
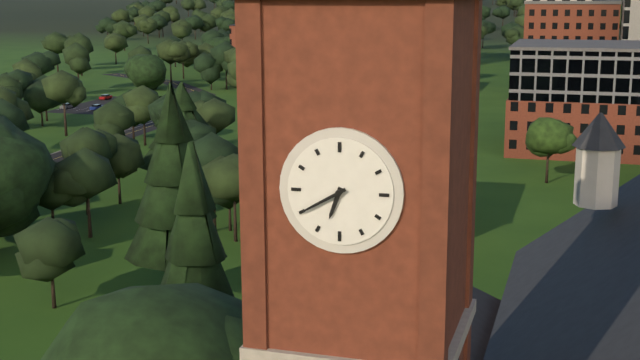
6:40
